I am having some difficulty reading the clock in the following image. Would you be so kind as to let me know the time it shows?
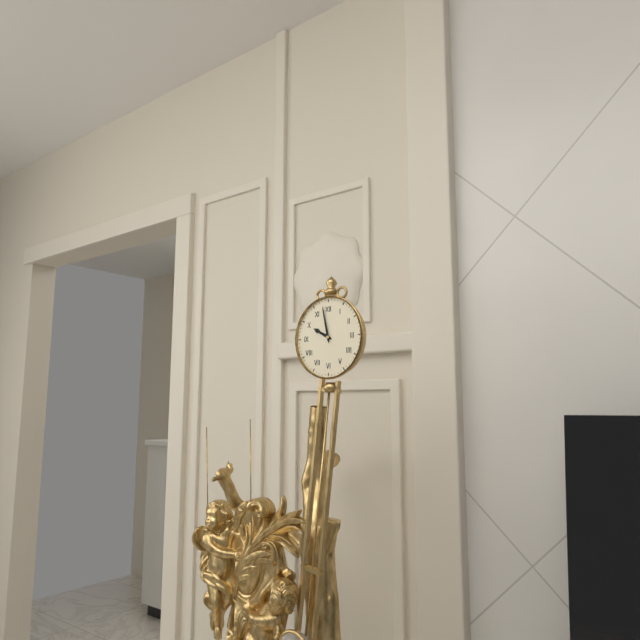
9:58
